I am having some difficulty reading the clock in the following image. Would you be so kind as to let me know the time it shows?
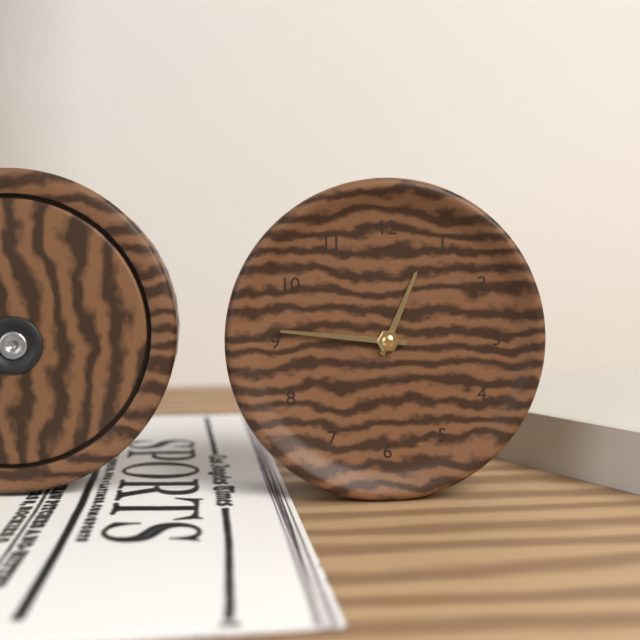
12:46
